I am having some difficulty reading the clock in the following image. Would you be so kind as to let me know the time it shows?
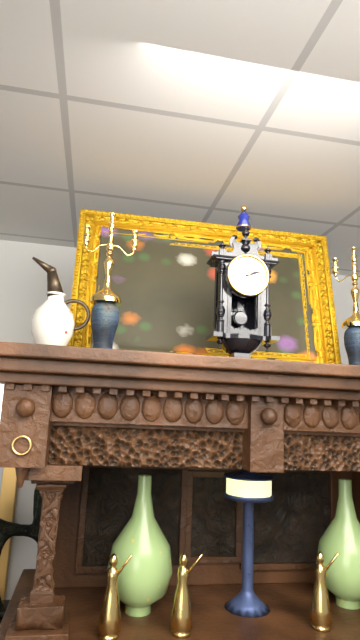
2:12
